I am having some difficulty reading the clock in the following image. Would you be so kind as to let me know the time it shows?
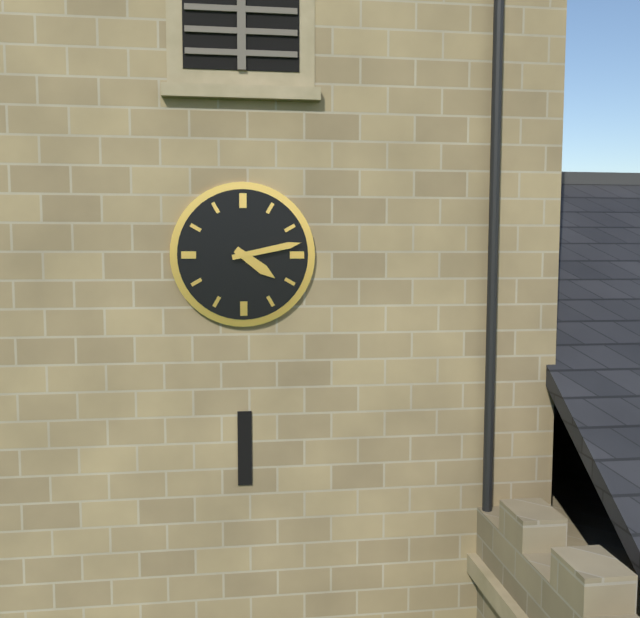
4:13
